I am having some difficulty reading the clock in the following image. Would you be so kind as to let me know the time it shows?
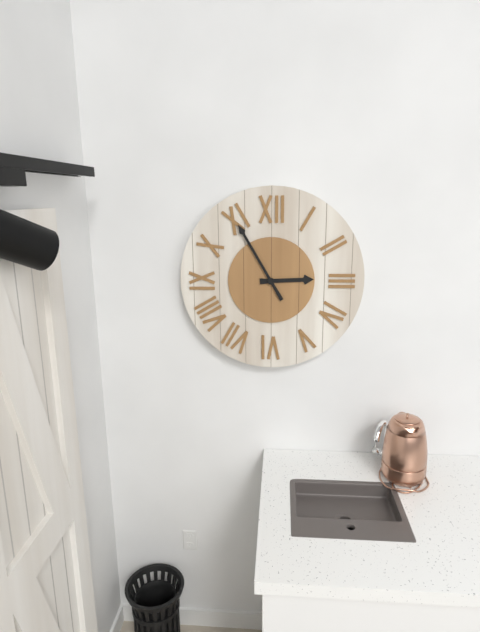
2:55
